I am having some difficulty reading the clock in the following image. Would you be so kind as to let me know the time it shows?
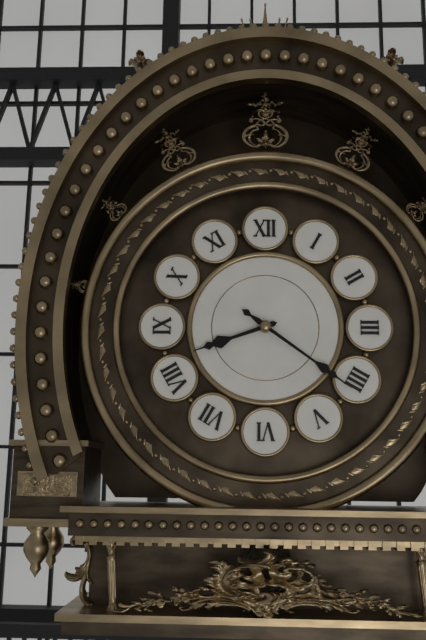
8:21
